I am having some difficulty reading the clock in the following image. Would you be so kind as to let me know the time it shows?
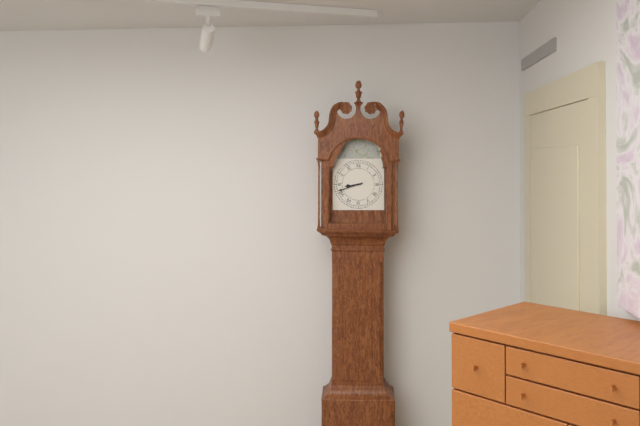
8:42
